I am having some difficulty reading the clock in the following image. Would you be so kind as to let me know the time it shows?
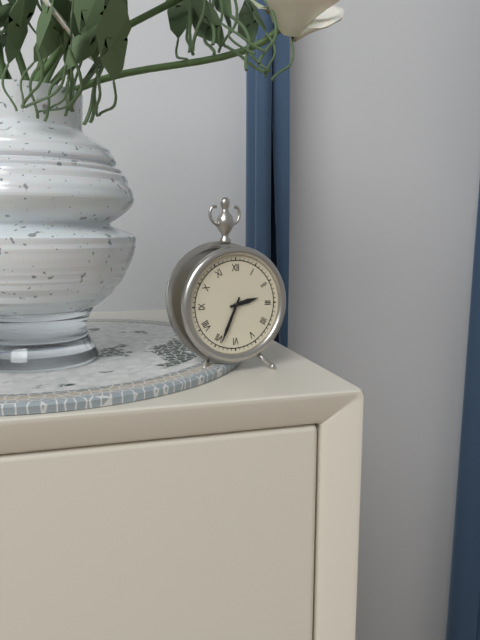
2:34
